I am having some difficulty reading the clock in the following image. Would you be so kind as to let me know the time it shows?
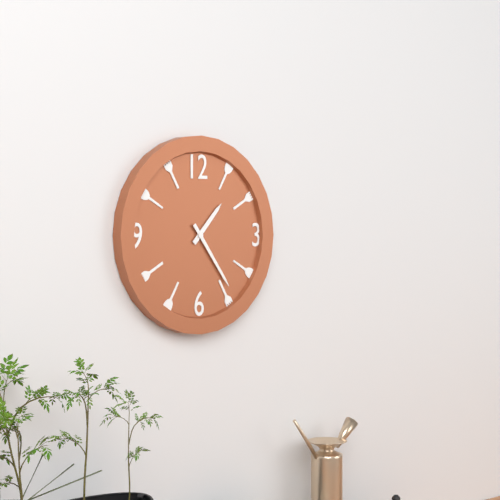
1:24
